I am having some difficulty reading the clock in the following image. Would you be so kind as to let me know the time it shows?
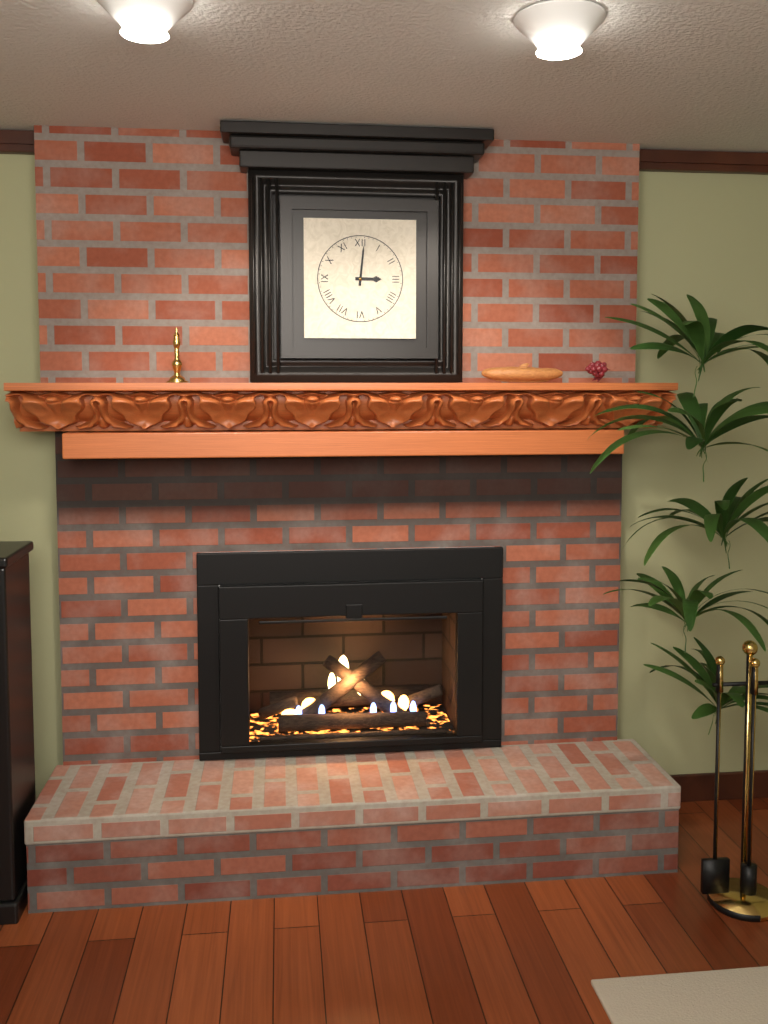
3:01
